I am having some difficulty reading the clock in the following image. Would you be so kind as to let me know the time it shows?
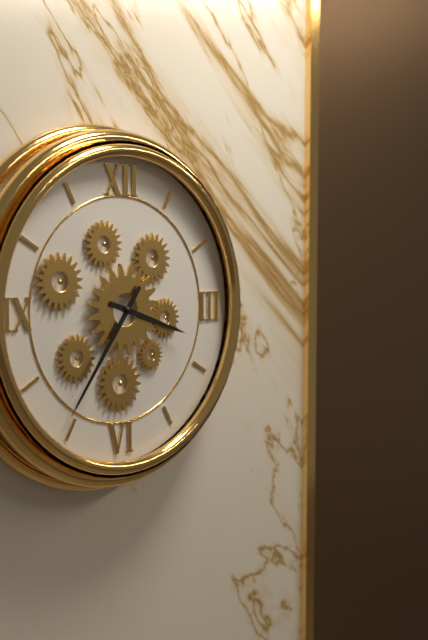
3:36
